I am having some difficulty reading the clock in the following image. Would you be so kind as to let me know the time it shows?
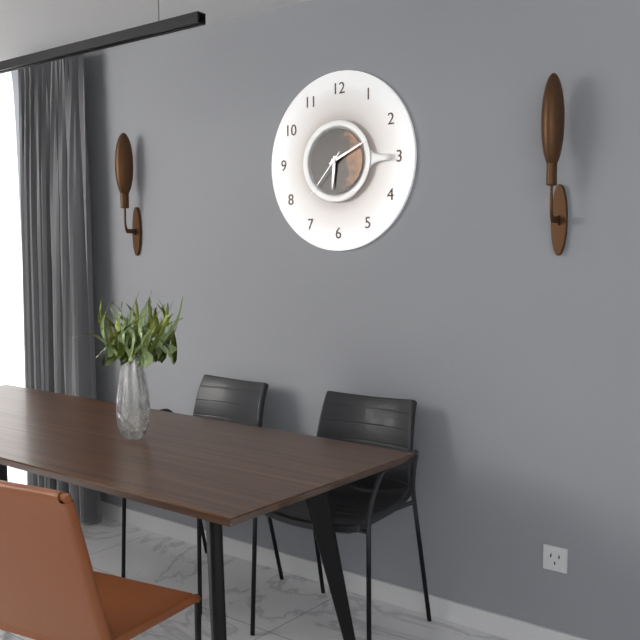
6:11:37
